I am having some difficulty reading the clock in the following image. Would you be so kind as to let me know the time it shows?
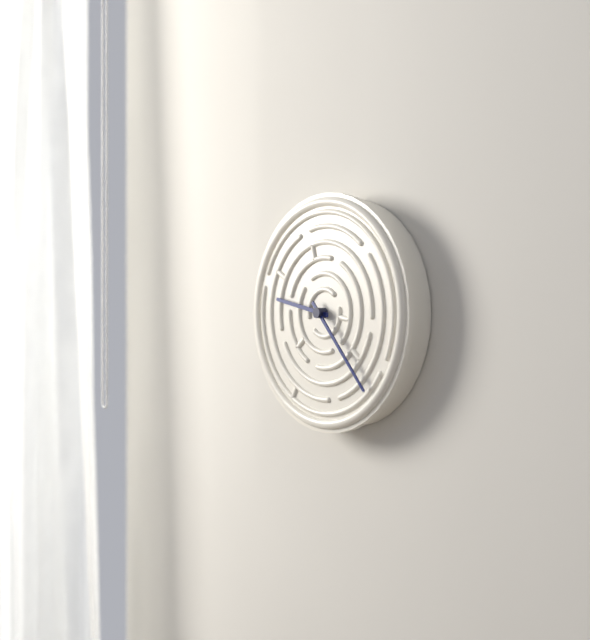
9:23
